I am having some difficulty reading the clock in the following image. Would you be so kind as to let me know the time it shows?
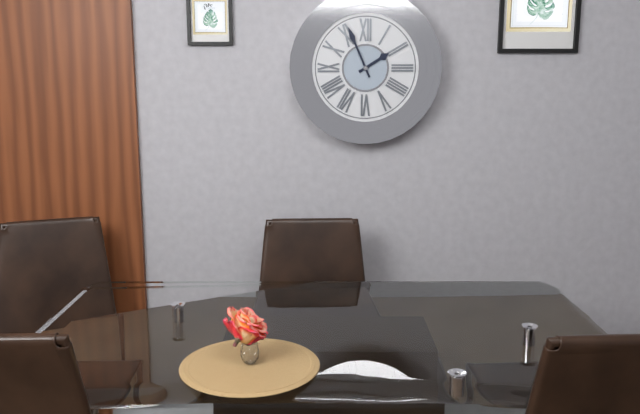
1:56
